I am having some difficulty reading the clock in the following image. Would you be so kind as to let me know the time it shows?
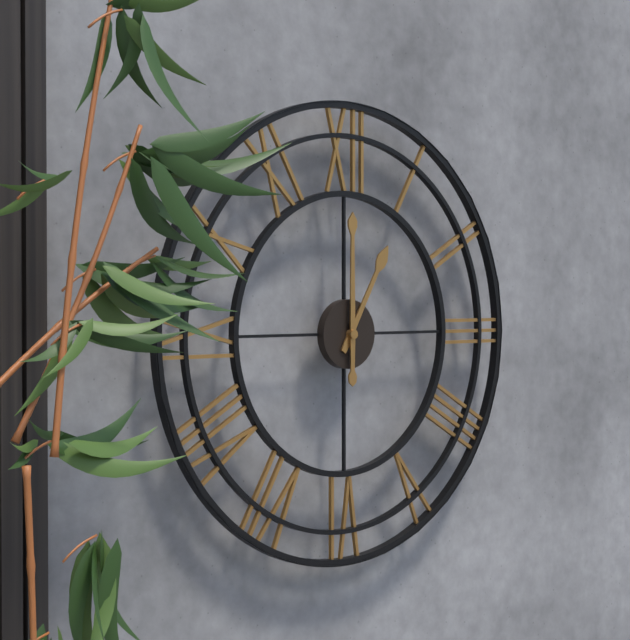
1:00
